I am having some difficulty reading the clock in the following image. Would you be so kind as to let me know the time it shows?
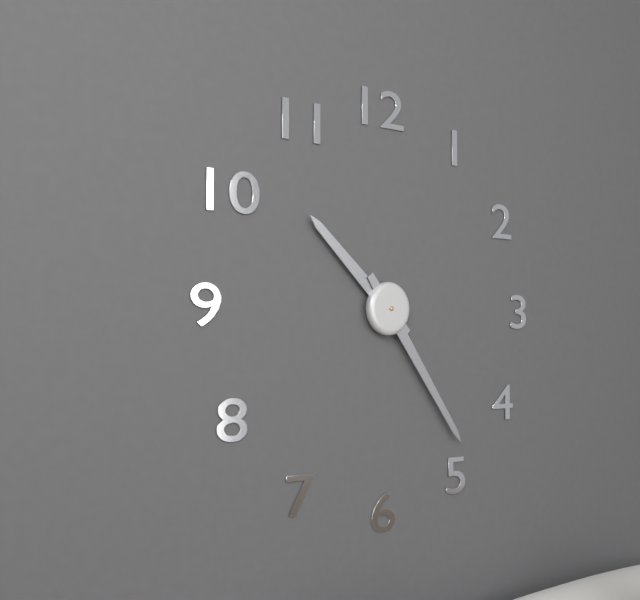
10:24
